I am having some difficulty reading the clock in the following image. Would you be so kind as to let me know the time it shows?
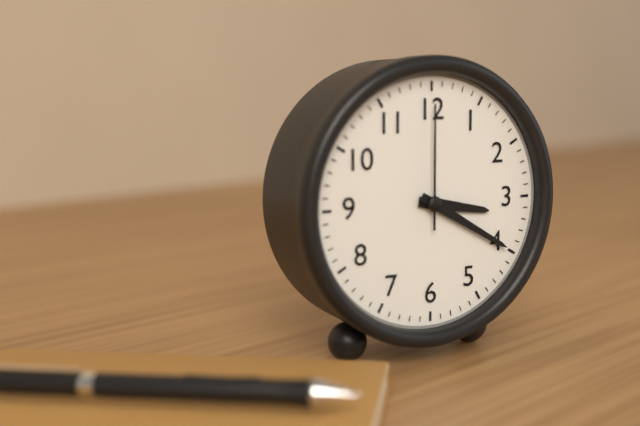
3:20:00
